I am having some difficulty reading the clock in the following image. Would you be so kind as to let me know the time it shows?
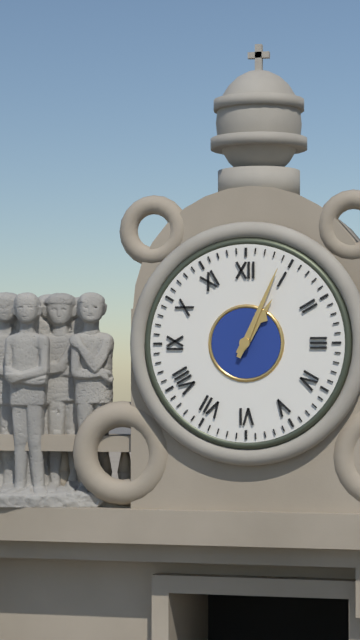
1:04
